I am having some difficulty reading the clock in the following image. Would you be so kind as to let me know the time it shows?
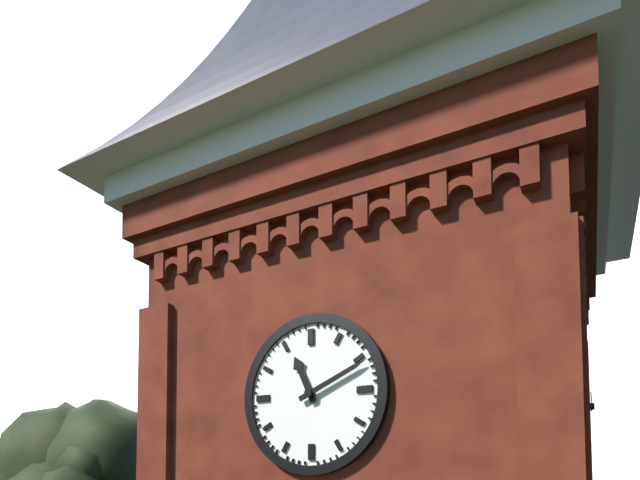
11:11
